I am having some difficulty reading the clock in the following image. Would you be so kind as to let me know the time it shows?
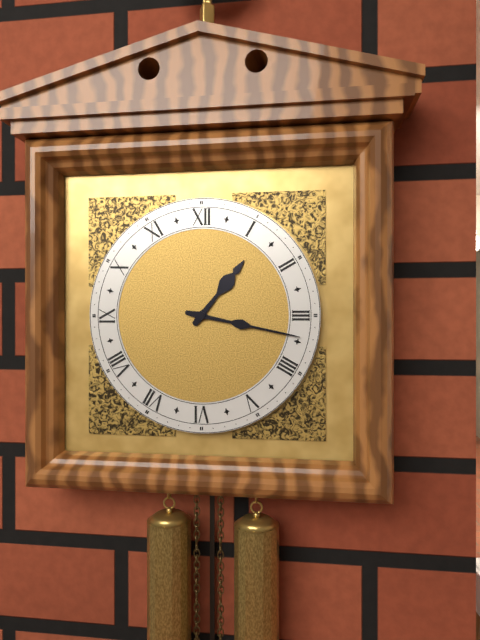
1:17
